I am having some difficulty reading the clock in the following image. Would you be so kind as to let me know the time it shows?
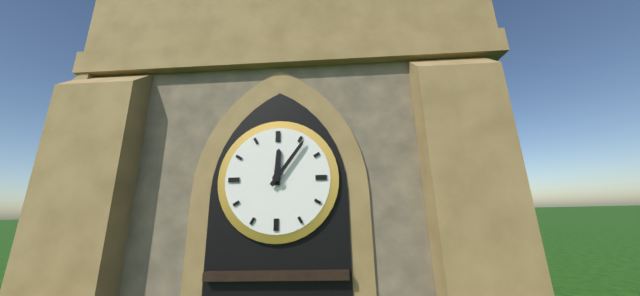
12:06
